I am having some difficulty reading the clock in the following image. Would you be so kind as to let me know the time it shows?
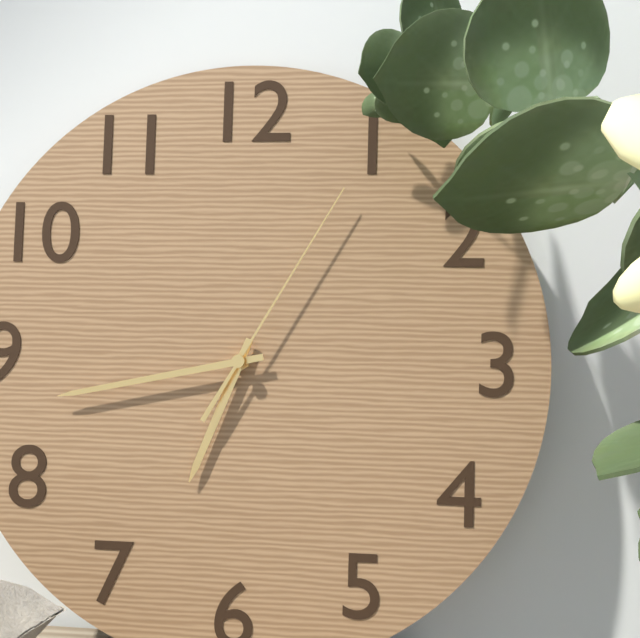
6:43:05
